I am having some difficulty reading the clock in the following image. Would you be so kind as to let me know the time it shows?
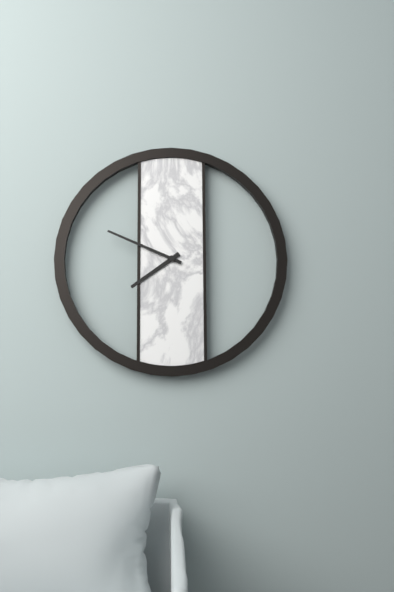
7:49
